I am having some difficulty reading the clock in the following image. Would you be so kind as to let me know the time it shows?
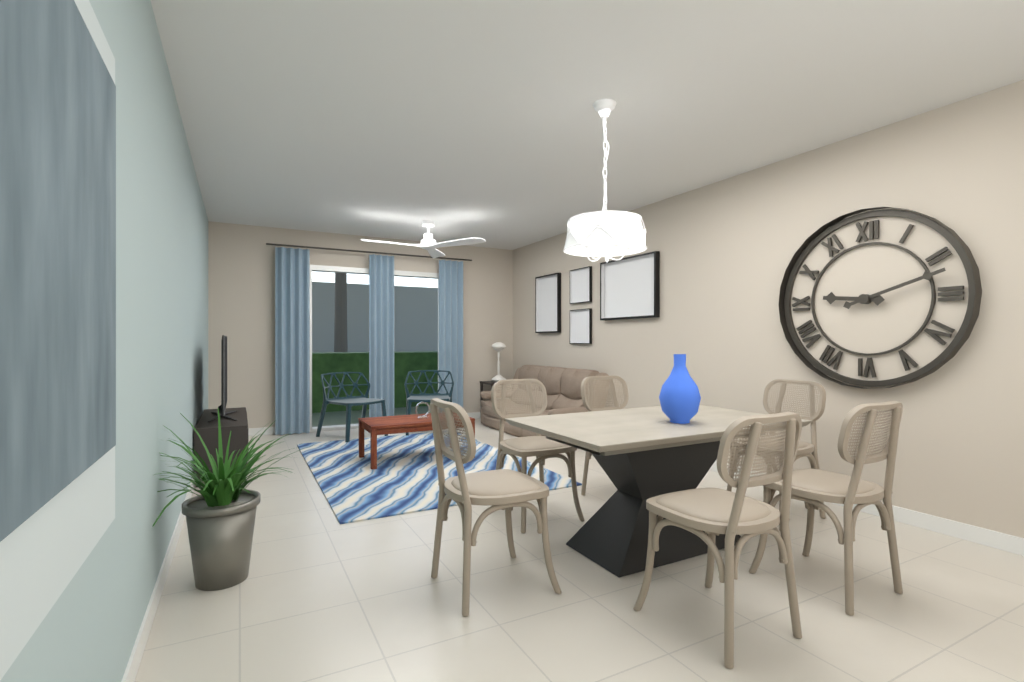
9:12
